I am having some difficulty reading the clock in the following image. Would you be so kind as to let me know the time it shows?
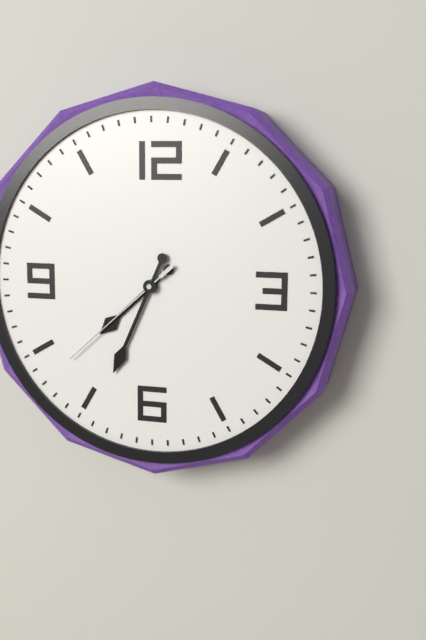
7:34:38
